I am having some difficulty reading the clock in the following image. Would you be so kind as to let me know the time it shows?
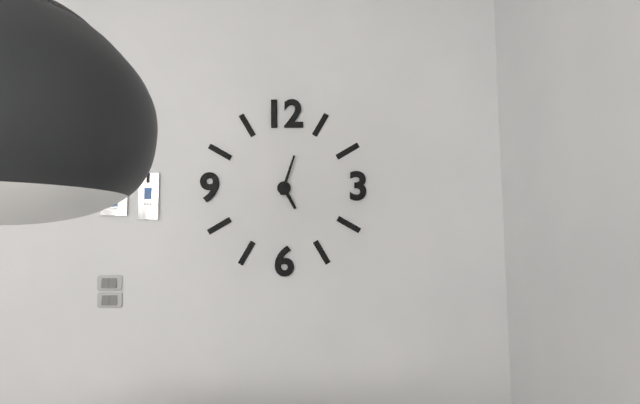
5:03
